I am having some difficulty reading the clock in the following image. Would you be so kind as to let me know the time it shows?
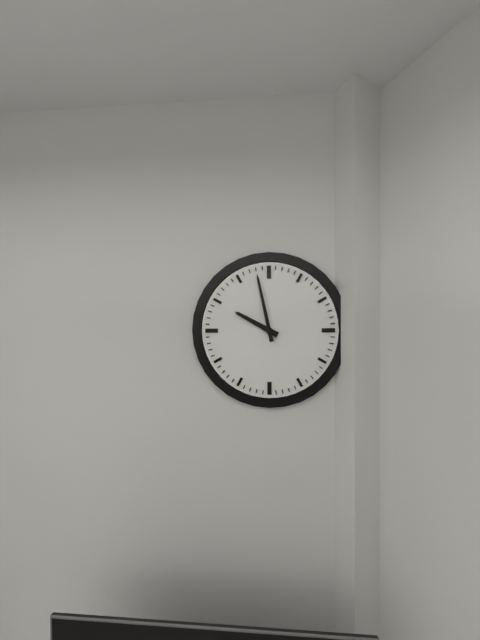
9:58
